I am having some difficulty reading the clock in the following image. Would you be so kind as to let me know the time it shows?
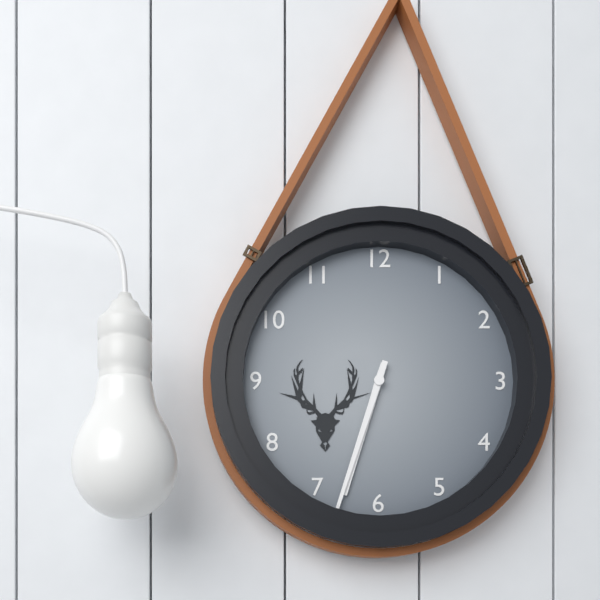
6:33
